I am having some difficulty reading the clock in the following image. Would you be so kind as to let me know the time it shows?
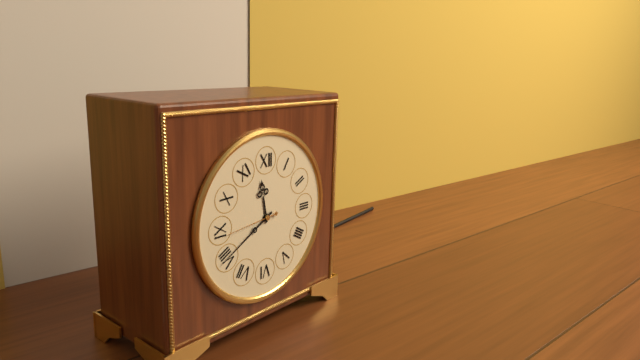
11:40:44
